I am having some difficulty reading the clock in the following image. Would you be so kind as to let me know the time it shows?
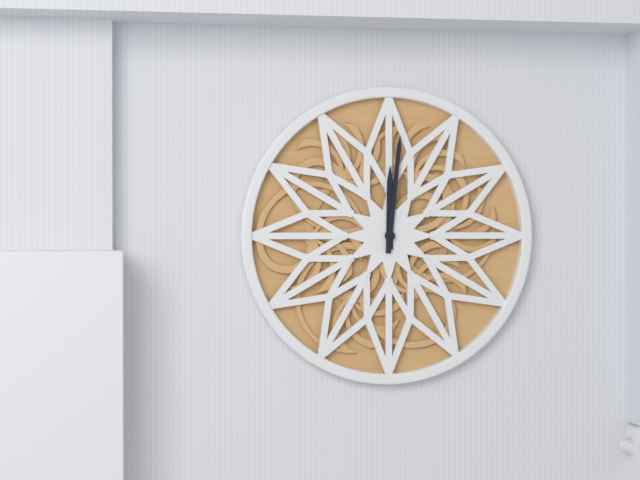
12:01
